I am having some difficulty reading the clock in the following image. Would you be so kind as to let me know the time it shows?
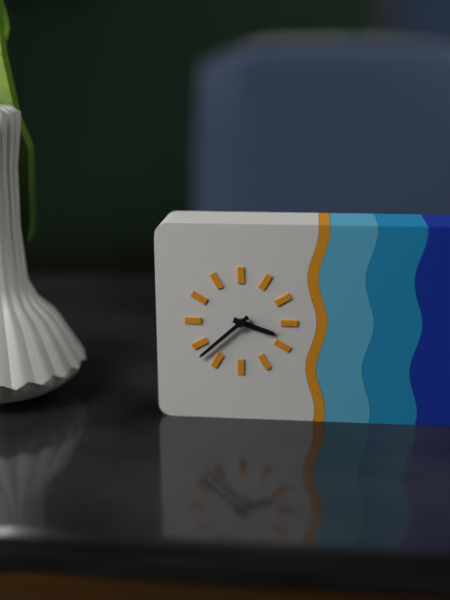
3:38
